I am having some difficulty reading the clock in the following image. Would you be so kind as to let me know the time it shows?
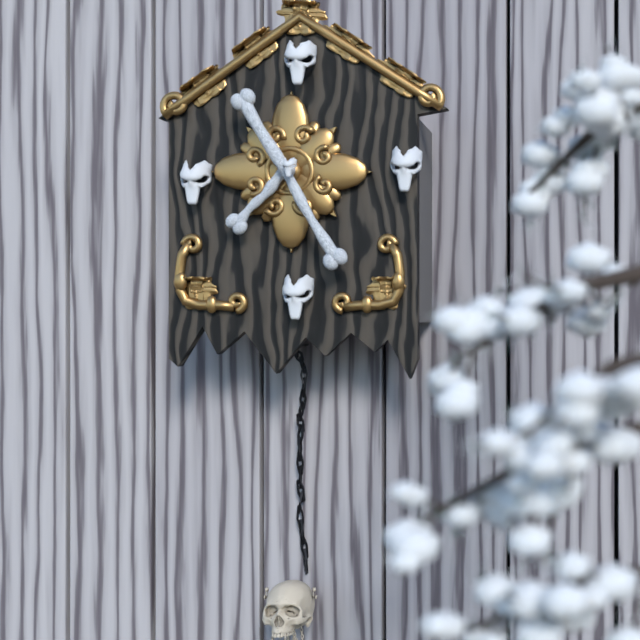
7:25
